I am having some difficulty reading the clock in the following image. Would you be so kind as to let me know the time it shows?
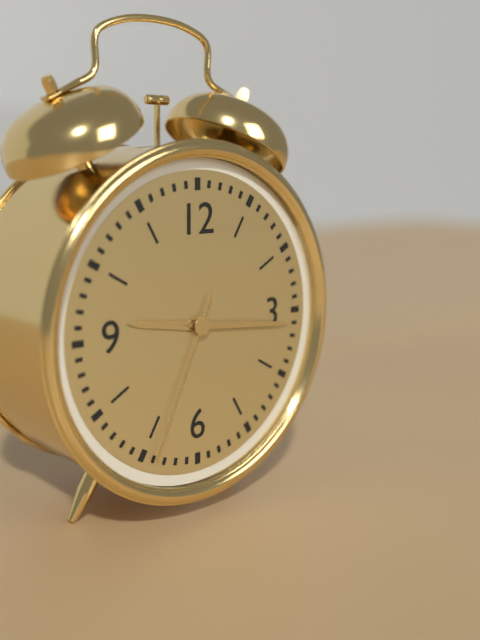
9:16:34
